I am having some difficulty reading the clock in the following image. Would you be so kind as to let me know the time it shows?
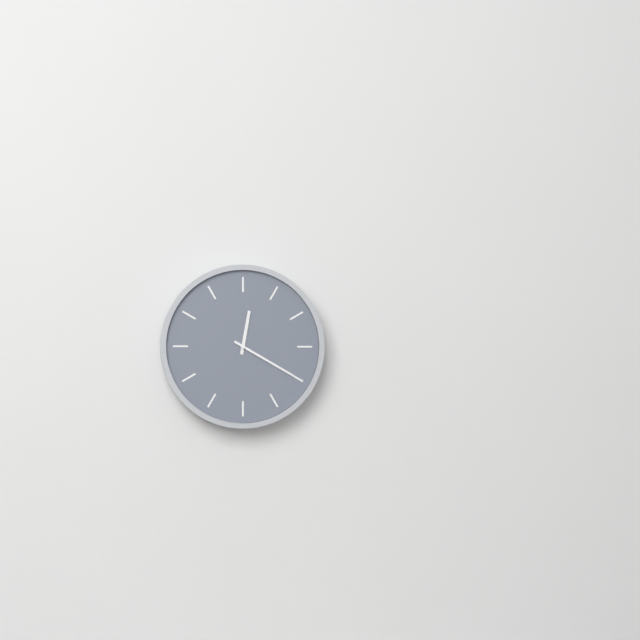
12:20
